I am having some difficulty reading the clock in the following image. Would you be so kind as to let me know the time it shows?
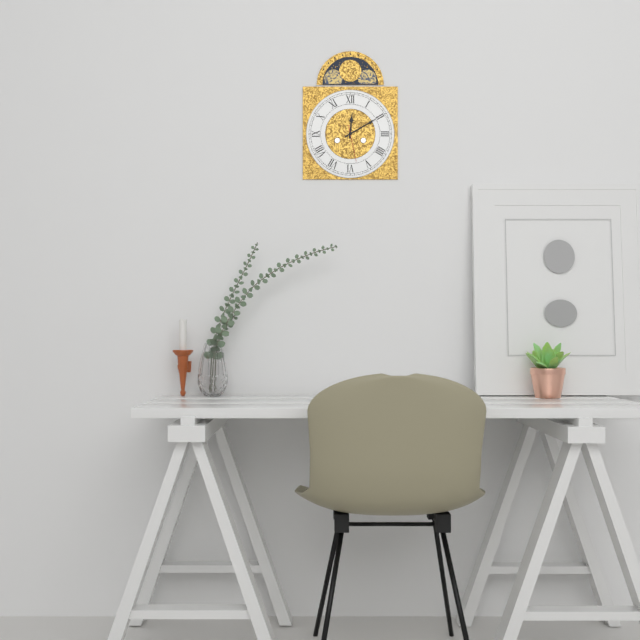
12:10
